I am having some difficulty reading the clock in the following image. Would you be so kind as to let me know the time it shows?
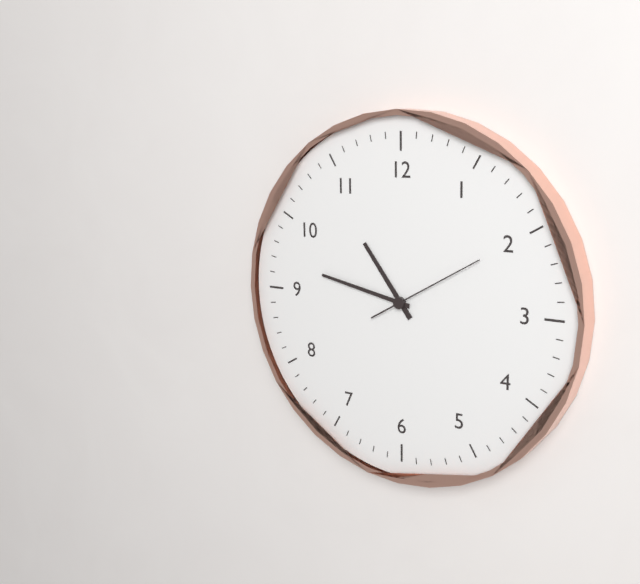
10:47:10
